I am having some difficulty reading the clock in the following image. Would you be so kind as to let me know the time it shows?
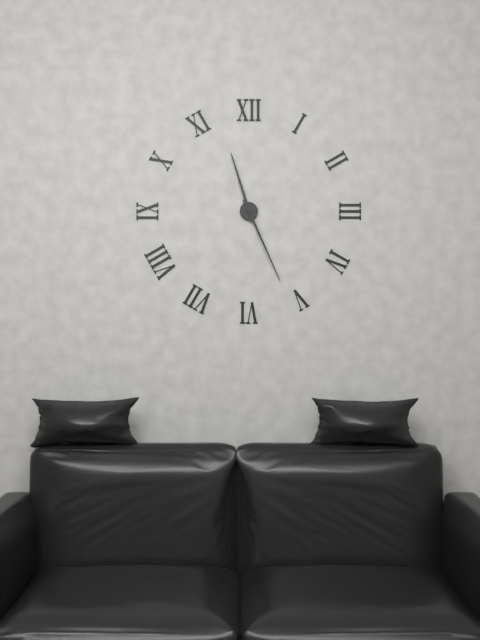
11:26
